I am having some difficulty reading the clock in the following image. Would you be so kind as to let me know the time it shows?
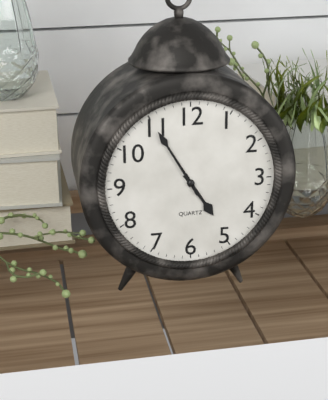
4:55
